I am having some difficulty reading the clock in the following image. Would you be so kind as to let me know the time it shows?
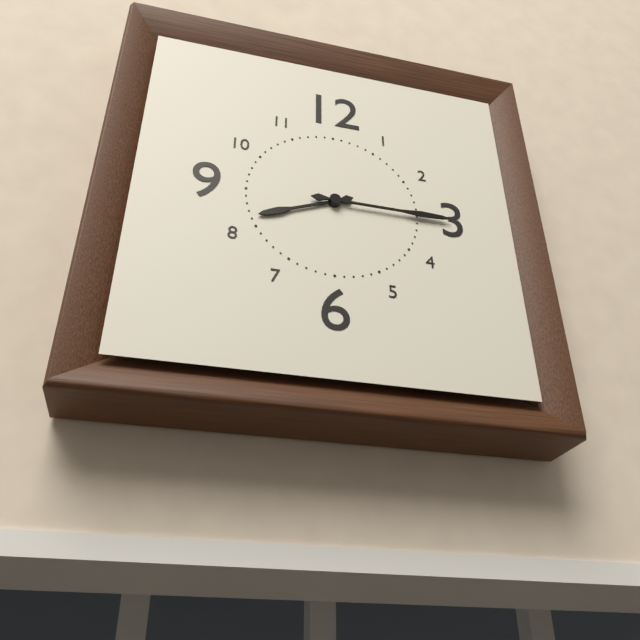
8:15
